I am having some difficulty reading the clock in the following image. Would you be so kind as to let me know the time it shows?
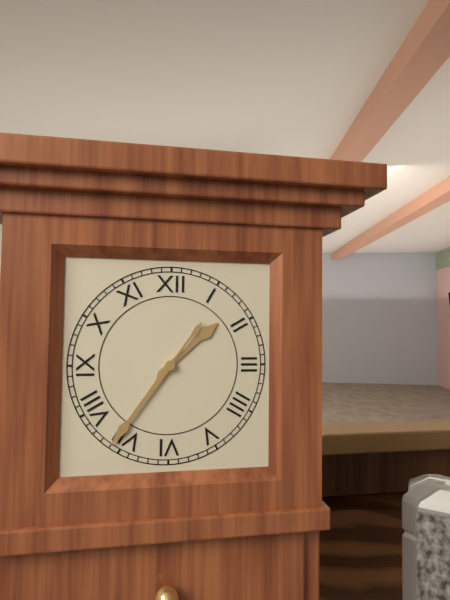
1:36
